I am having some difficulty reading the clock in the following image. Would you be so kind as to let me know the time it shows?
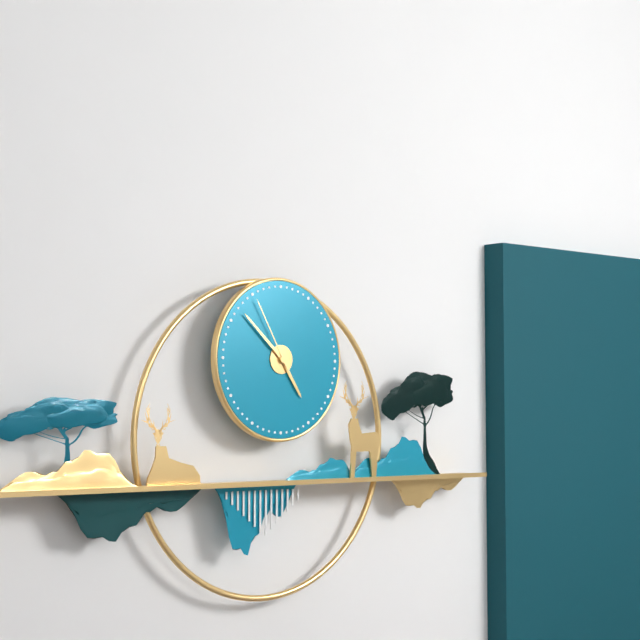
4:52:55
